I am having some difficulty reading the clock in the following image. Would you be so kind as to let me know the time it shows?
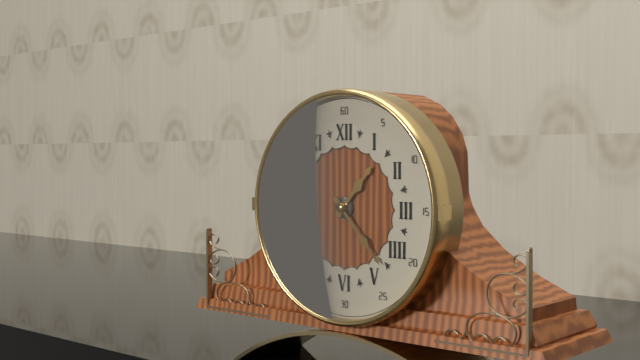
1:23
